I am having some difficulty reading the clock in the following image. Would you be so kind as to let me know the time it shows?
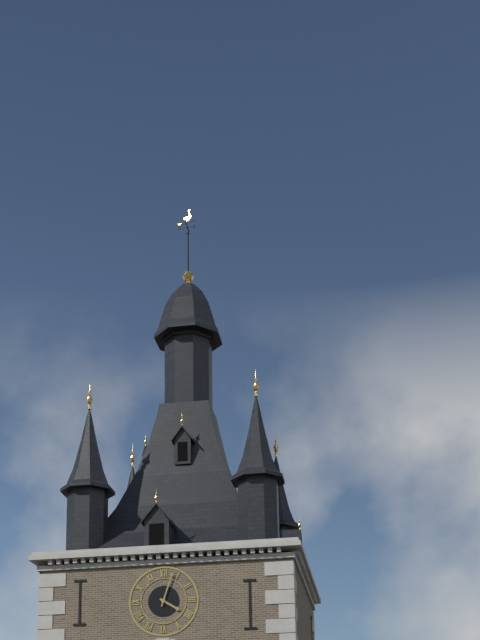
4:03
